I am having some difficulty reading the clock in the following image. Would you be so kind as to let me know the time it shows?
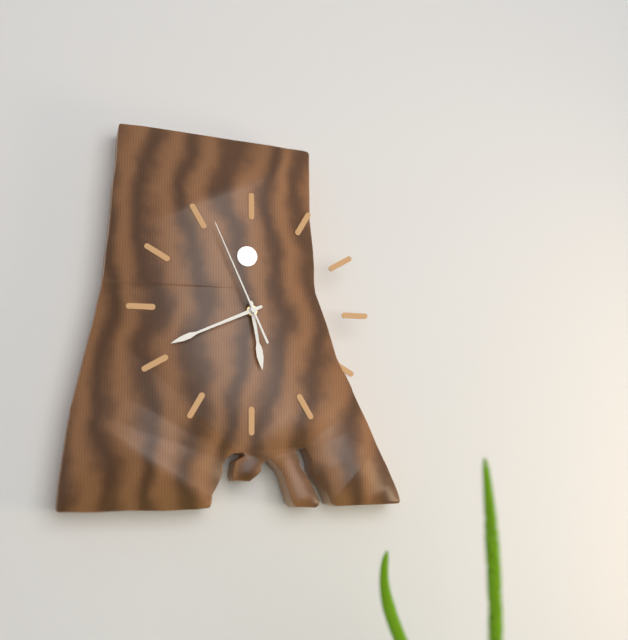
5:41:56
